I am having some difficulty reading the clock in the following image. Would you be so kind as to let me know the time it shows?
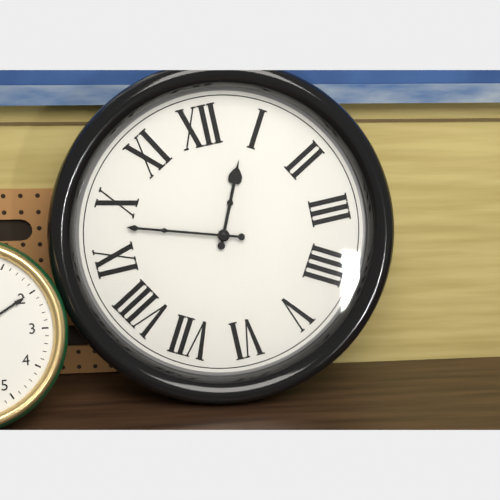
12:48
